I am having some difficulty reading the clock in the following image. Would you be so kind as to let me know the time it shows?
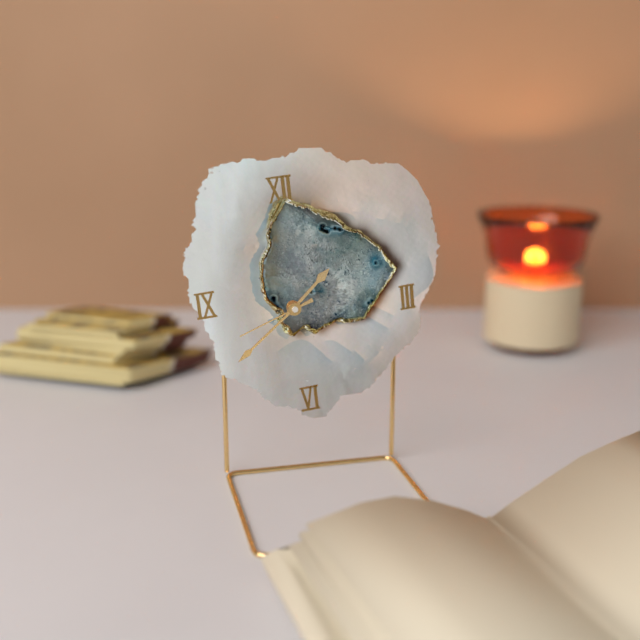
1:39:42
